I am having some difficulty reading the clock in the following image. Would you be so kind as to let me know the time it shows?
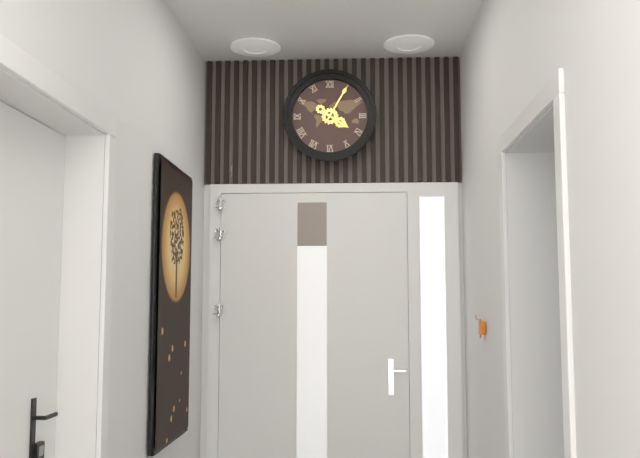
4:05
